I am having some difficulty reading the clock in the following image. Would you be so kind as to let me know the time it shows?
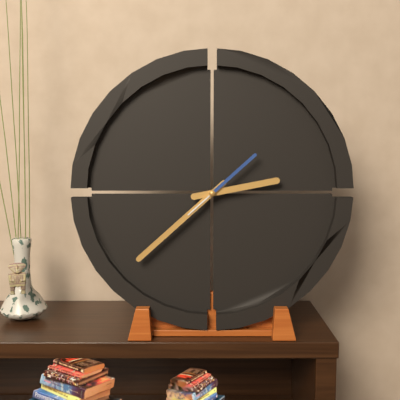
2:38:08
